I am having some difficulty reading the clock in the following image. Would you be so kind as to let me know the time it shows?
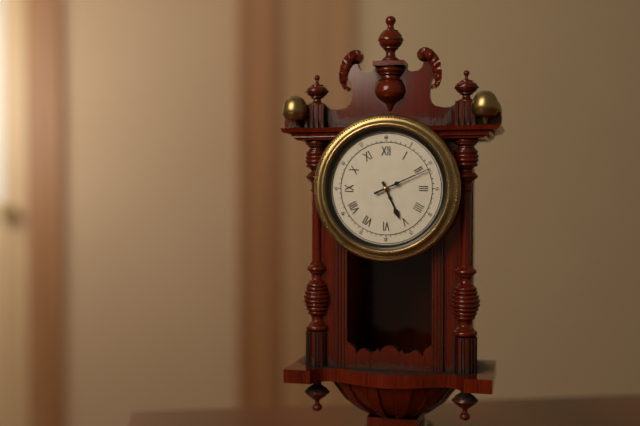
5:11
